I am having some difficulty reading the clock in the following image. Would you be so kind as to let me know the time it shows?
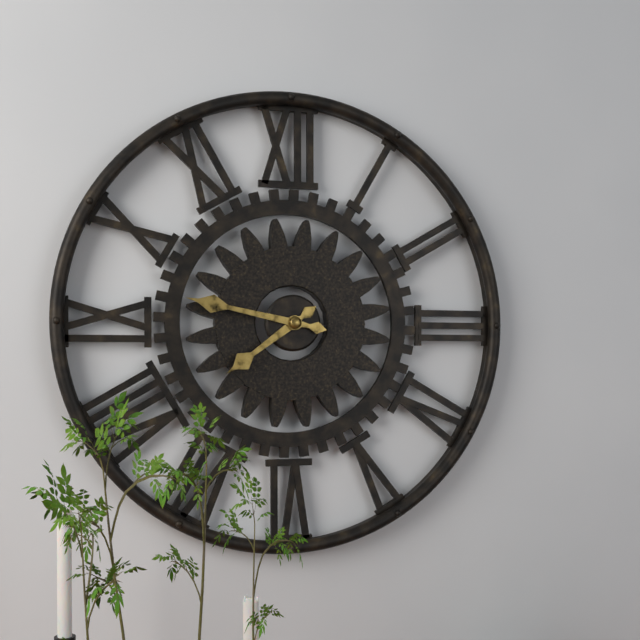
7:47
